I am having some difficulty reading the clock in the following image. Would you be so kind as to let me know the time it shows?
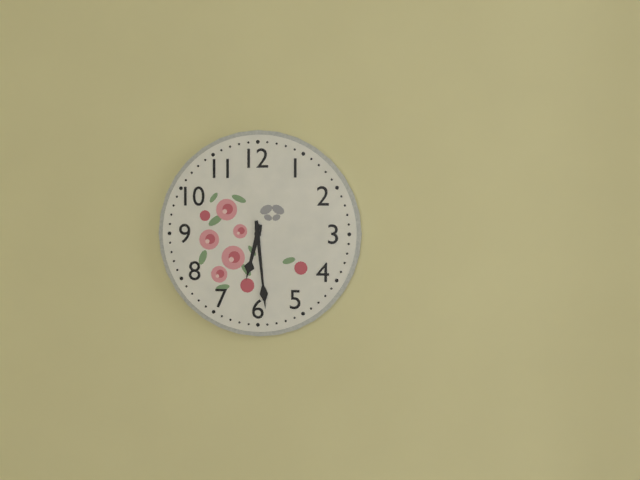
6:29
